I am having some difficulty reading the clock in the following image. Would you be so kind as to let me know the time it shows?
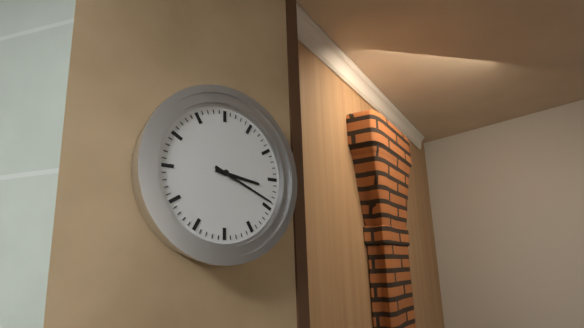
3:19
